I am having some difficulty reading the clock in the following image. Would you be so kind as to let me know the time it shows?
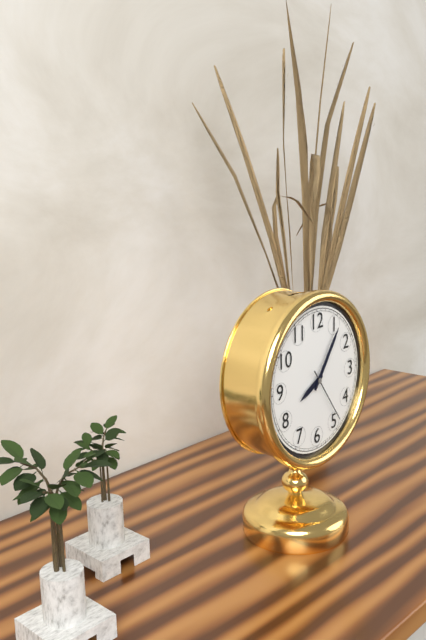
8:06:24
